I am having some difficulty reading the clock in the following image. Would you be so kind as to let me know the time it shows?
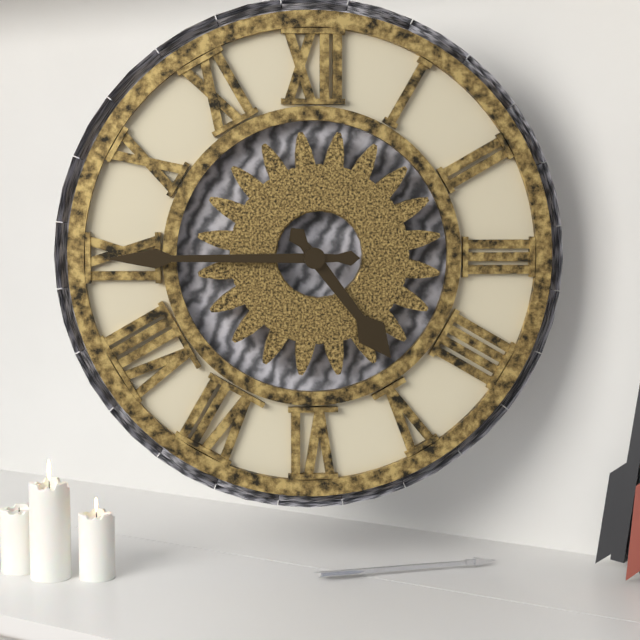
4:45
